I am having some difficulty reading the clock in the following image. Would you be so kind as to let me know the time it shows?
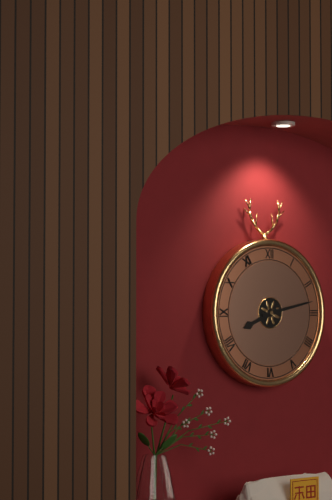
8:13
